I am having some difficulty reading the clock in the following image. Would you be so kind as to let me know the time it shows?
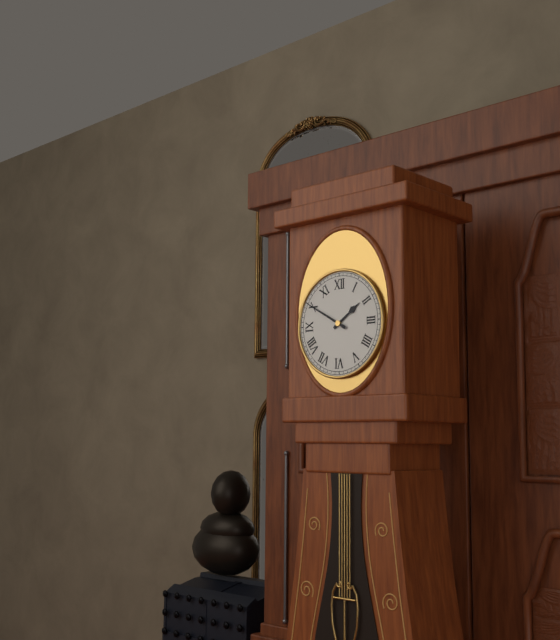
1:50
